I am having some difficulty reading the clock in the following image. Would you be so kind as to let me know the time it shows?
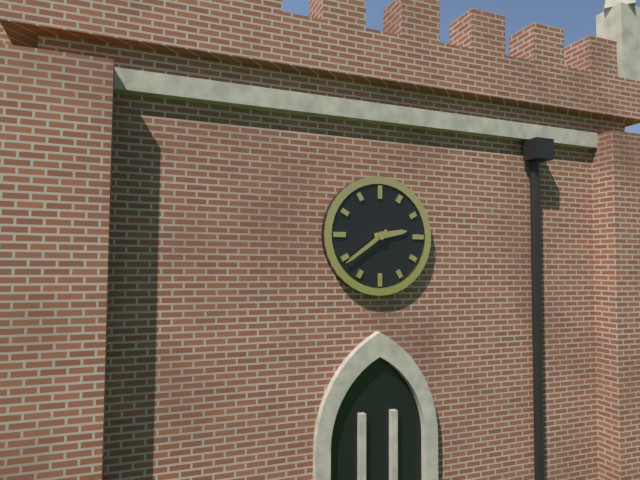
2:39
